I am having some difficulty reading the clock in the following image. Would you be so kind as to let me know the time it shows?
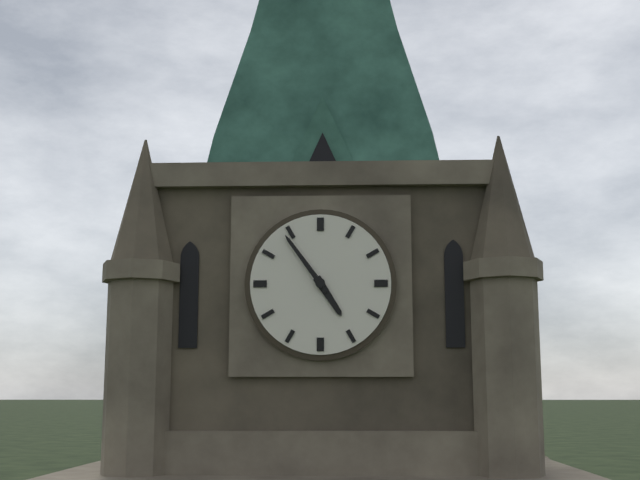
4:54
